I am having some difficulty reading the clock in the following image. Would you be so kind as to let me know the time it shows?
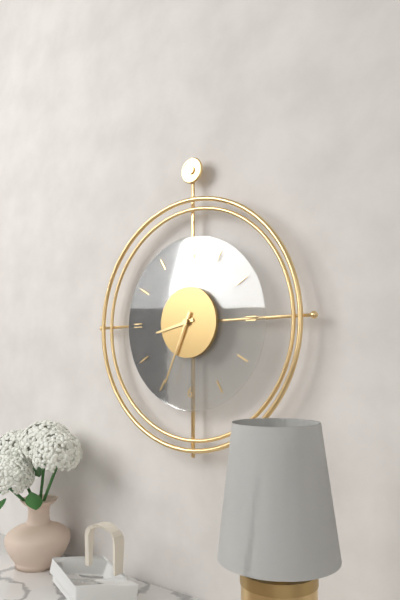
8:34
